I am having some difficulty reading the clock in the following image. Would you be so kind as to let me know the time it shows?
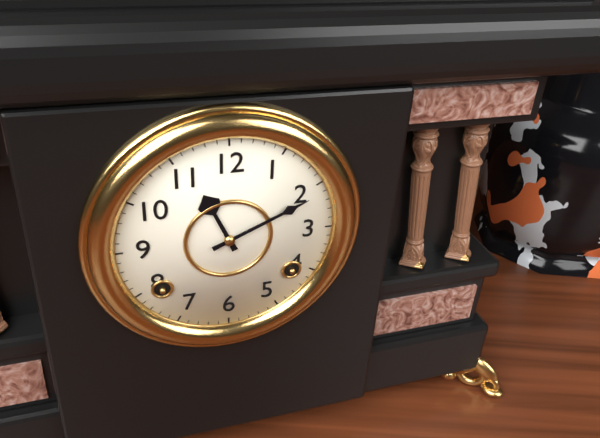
11:11
